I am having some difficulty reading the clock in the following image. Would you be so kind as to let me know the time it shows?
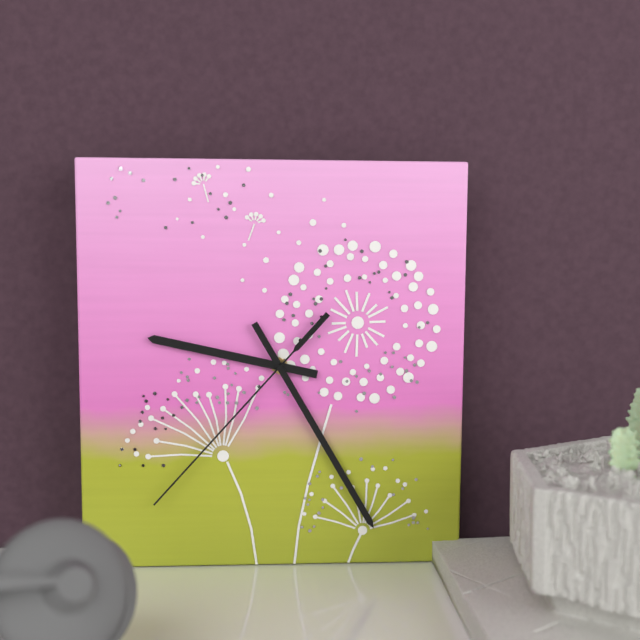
9:25:37
